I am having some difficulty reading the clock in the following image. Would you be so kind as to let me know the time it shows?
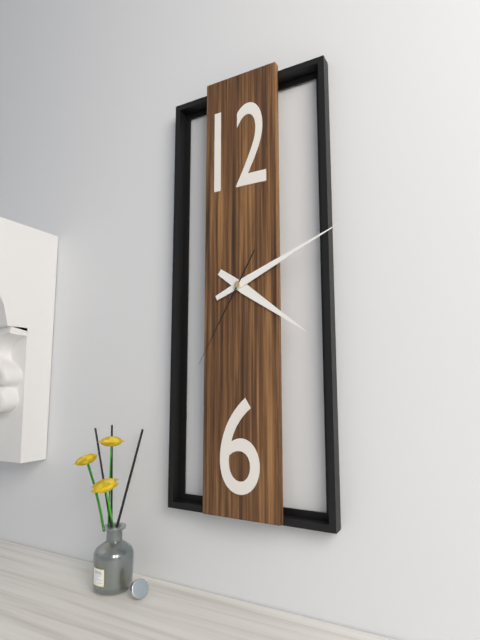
4:11:35
